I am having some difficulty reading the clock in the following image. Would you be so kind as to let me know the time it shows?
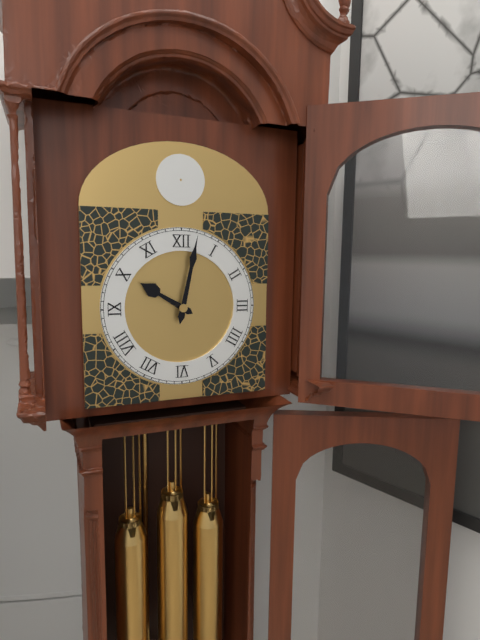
10:02
